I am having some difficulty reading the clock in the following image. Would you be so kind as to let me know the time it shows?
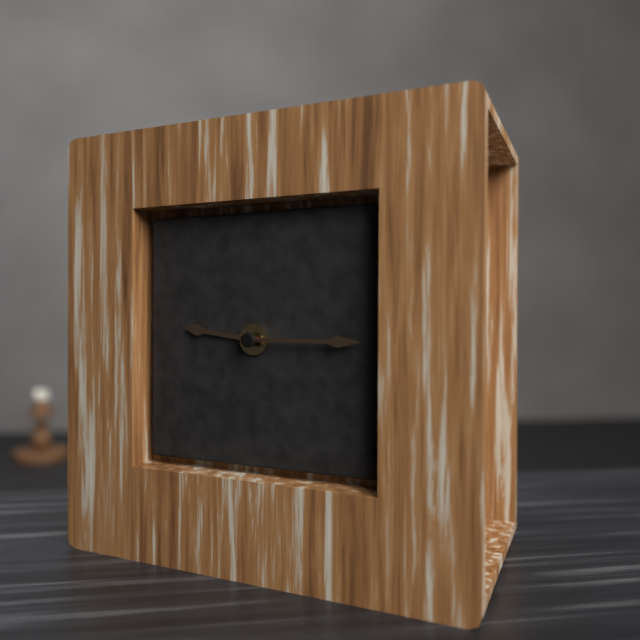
9:15
